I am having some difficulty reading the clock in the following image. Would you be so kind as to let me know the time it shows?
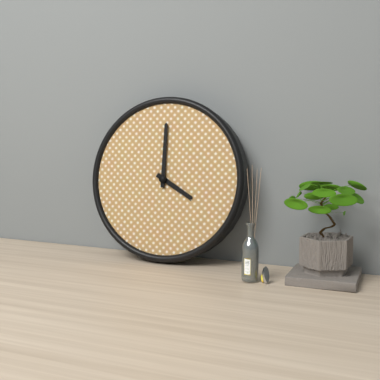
4:00
